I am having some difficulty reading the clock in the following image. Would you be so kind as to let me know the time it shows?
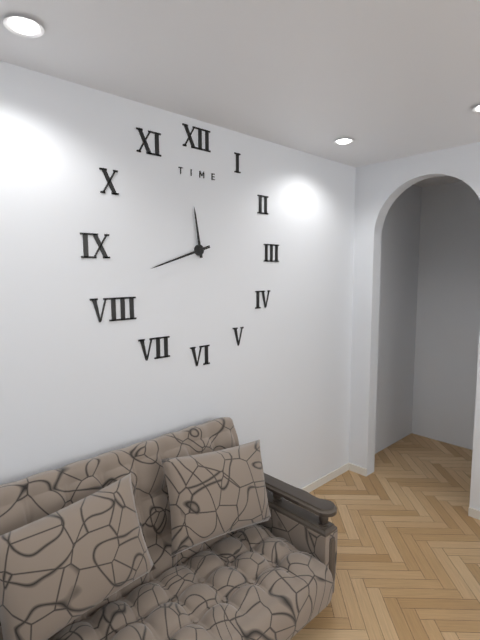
11:42
